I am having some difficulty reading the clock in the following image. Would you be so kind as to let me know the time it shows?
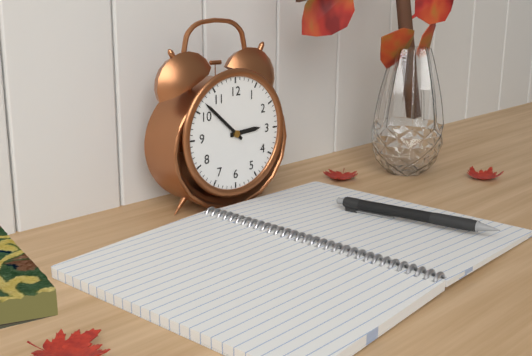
2:52
